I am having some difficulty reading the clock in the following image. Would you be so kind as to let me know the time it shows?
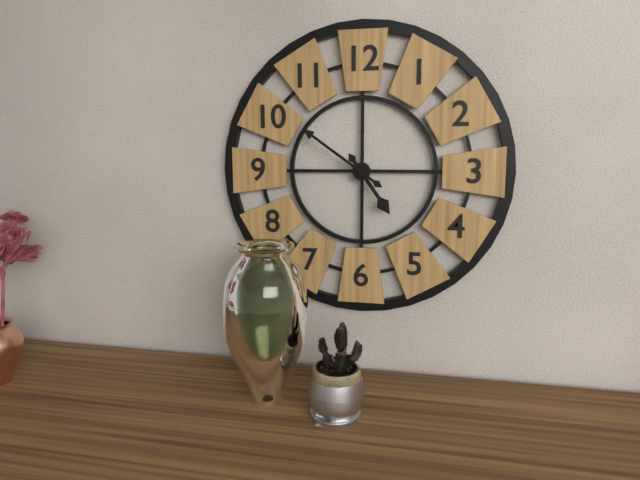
4:51
